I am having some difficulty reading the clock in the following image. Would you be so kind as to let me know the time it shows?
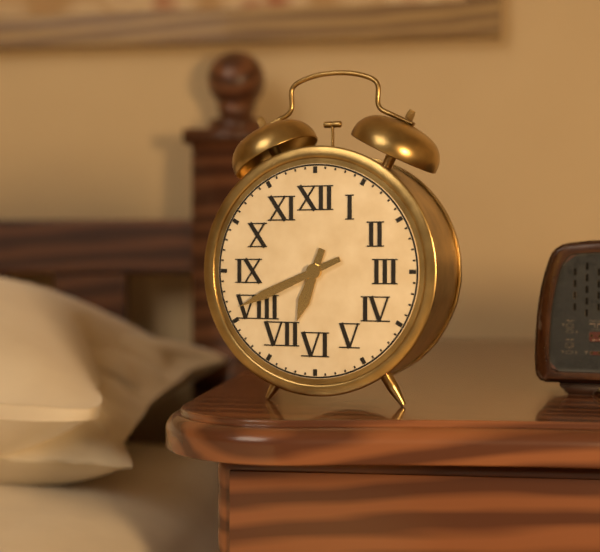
6:41
